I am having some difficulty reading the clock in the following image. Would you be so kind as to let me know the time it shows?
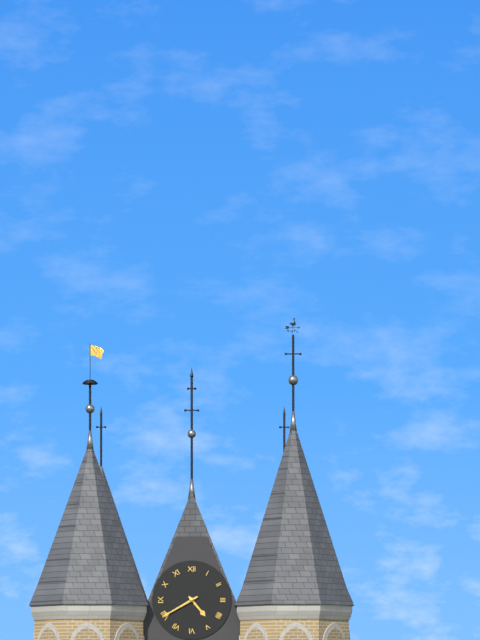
4:40
